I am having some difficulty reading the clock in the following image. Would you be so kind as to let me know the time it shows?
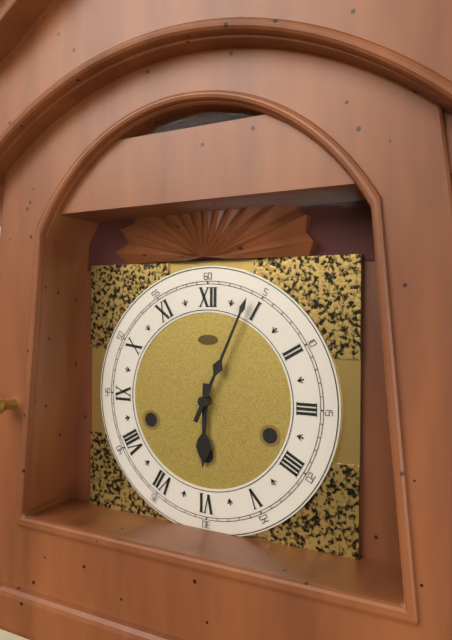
6:04
